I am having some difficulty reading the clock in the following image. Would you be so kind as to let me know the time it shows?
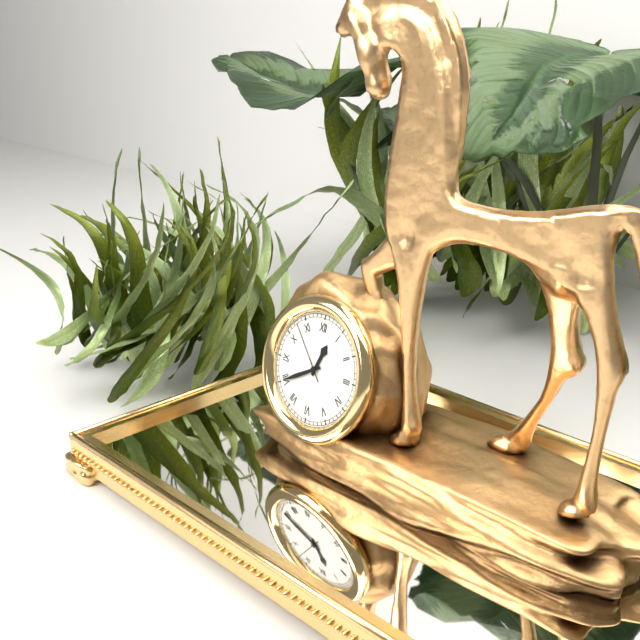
12:40:53
